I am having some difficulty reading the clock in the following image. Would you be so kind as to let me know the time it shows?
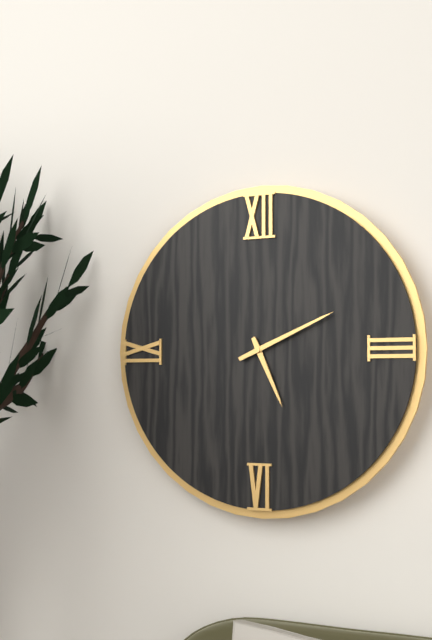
5:11
